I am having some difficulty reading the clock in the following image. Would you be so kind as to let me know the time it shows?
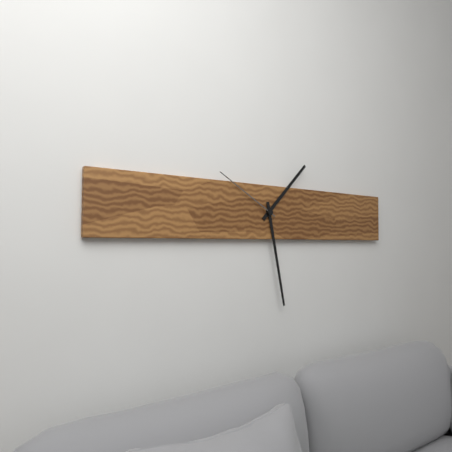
1:28:50
